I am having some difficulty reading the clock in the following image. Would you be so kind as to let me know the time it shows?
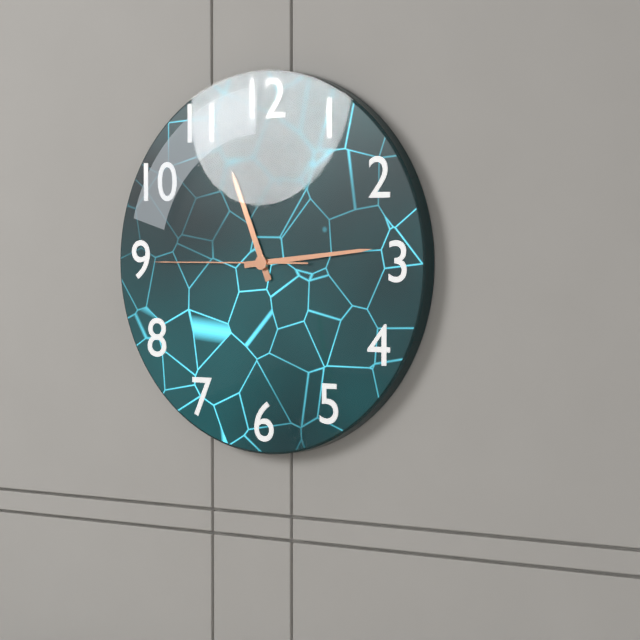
11:14:45
